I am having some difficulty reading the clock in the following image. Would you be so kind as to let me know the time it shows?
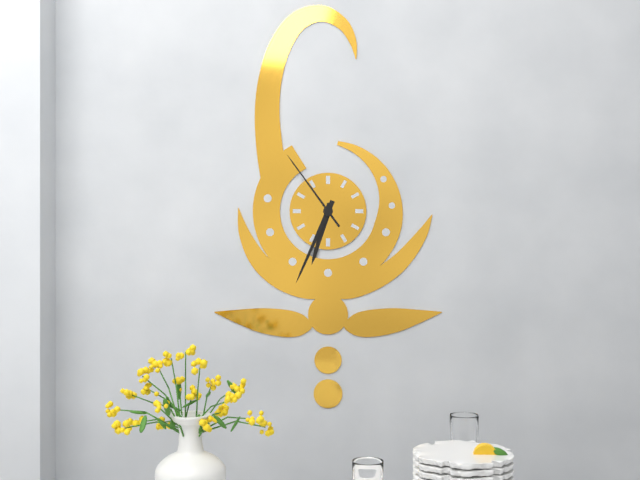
6:34:54
